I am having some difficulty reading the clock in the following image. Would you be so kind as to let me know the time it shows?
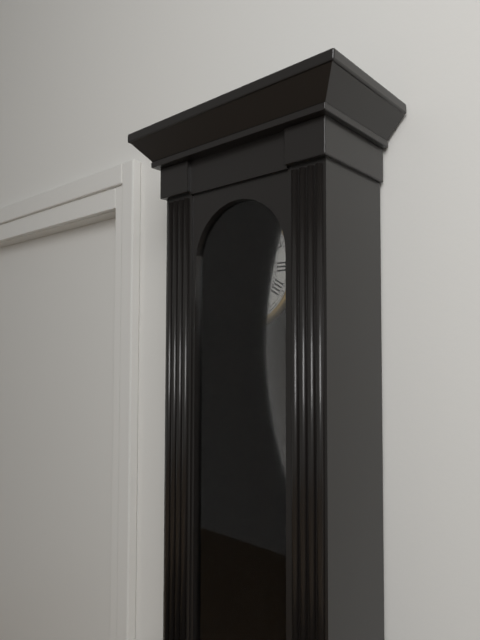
10:48
